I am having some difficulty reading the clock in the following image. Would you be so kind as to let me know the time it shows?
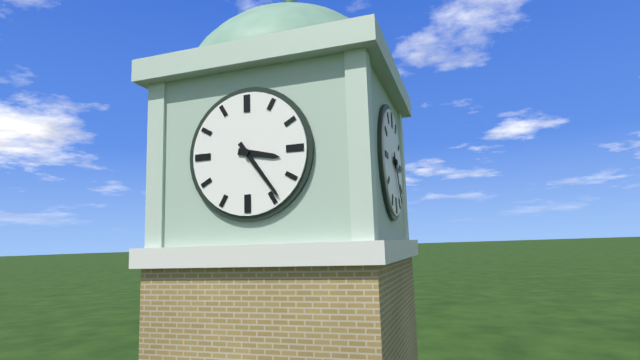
3:24
